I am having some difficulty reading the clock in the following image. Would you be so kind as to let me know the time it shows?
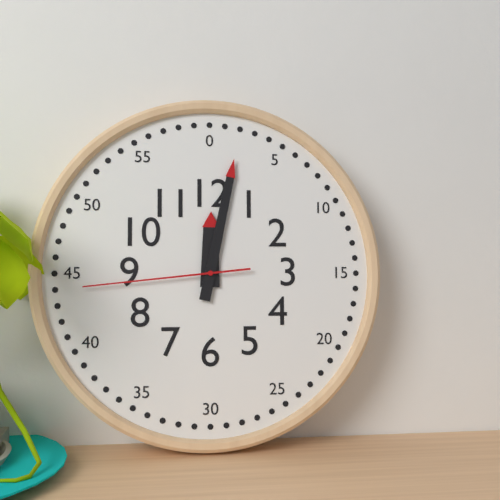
12:02:44
